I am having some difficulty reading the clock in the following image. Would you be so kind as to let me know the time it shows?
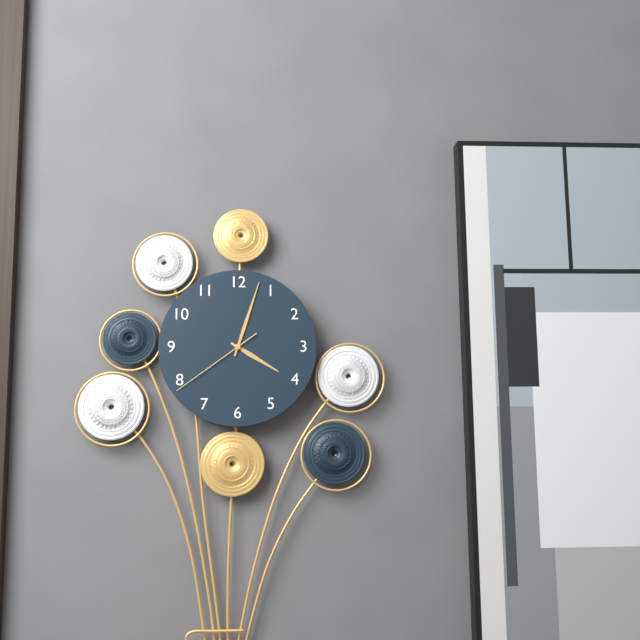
4:03:39
